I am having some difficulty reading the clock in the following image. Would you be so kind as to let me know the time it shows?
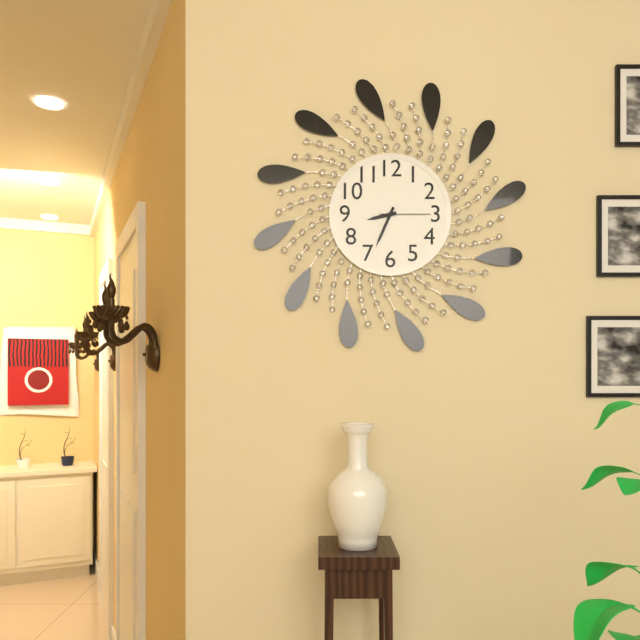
8:34:15
